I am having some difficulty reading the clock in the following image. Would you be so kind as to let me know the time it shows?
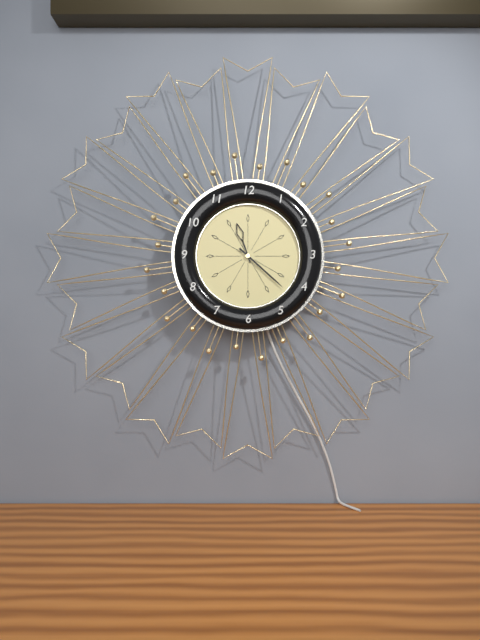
11:22
